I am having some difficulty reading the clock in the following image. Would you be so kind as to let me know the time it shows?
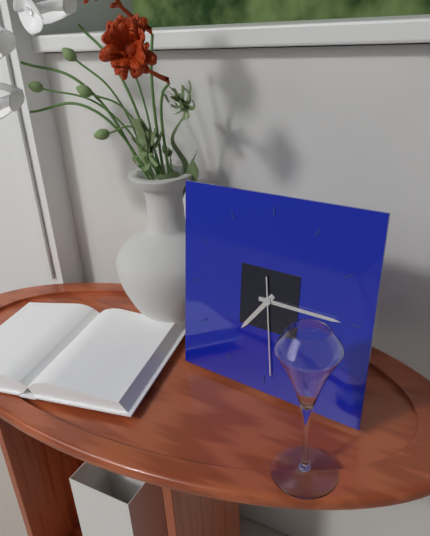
7:15:29
